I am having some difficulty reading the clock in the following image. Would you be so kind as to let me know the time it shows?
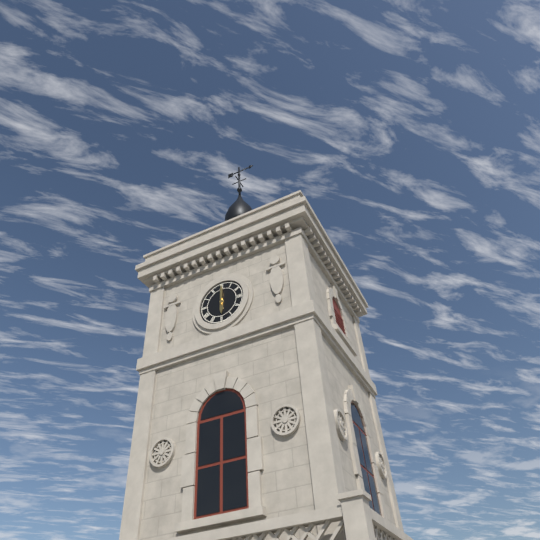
6:00
